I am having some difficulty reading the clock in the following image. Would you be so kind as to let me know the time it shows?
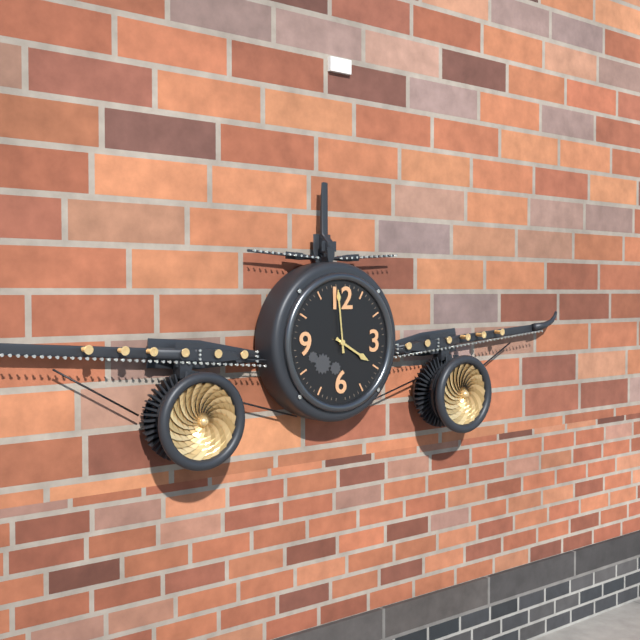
3:59
